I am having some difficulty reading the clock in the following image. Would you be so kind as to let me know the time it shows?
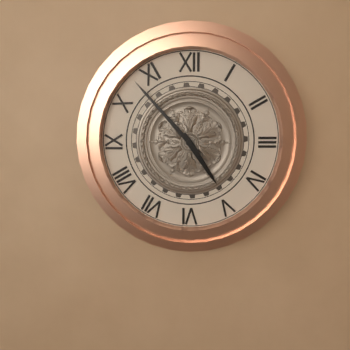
4:53
